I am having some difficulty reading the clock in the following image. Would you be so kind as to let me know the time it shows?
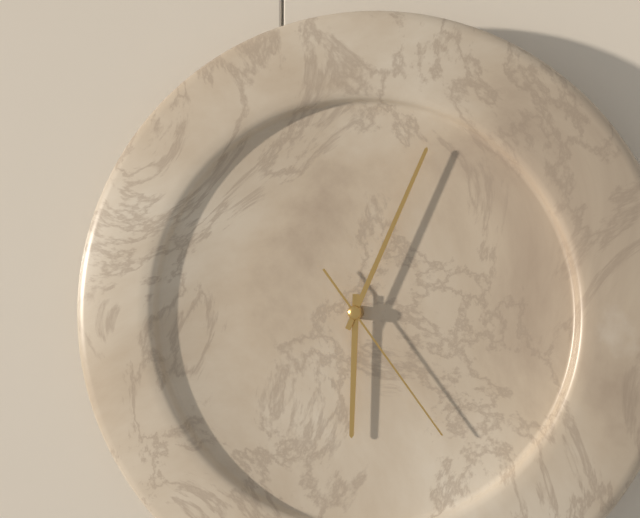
6:04:24
